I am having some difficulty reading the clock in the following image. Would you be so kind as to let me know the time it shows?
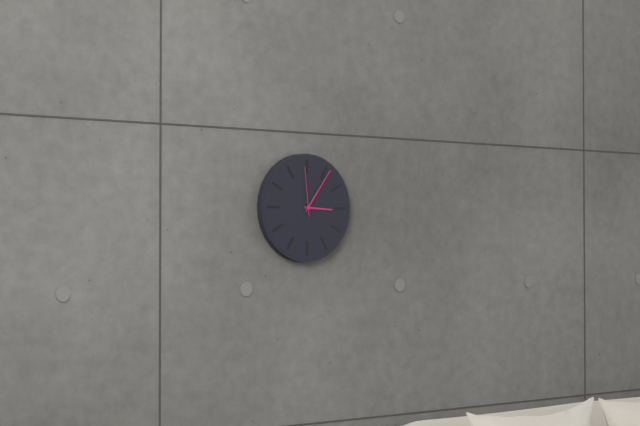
3:06:59
